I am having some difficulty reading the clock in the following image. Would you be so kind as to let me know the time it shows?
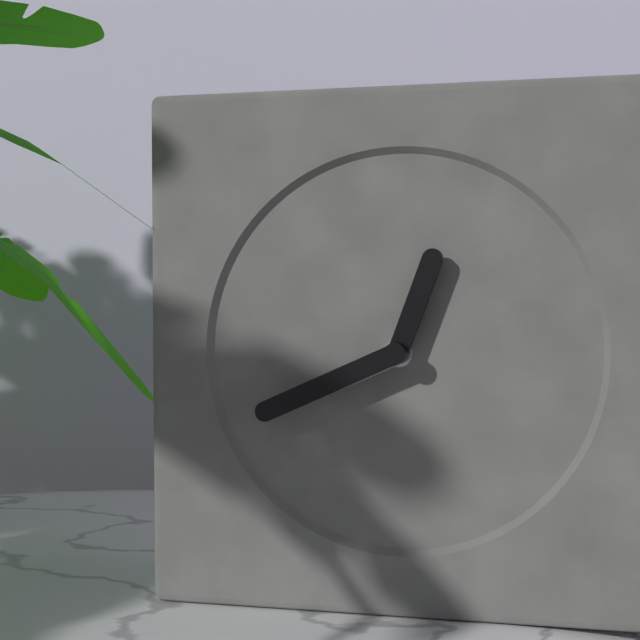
12:41
